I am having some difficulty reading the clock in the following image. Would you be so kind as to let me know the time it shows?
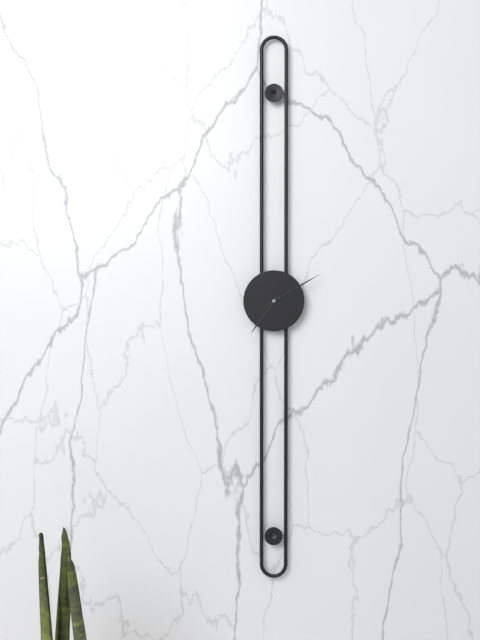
7:10
